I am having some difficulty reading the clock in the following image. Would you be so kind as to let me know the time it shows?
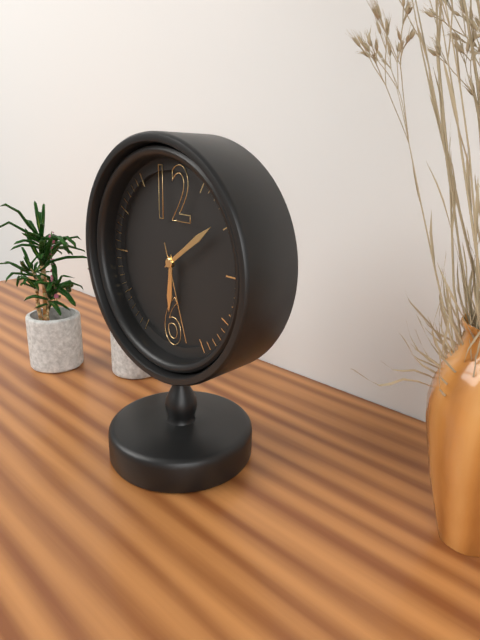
6:09:27
